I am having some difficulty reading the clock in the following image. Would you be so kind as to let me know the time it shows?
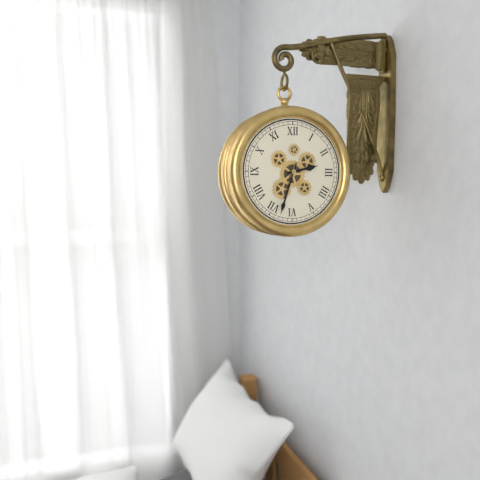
2:33
